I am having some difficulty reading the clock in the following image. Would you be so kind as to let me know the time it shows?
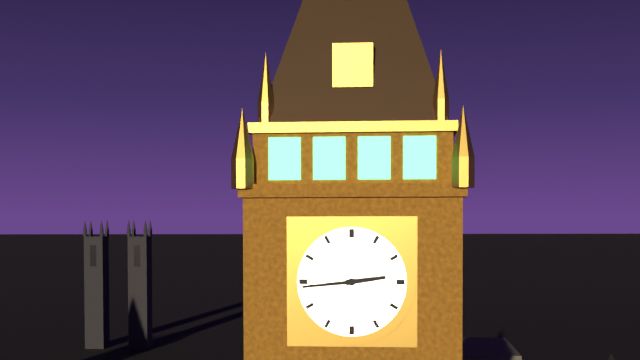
2:44
